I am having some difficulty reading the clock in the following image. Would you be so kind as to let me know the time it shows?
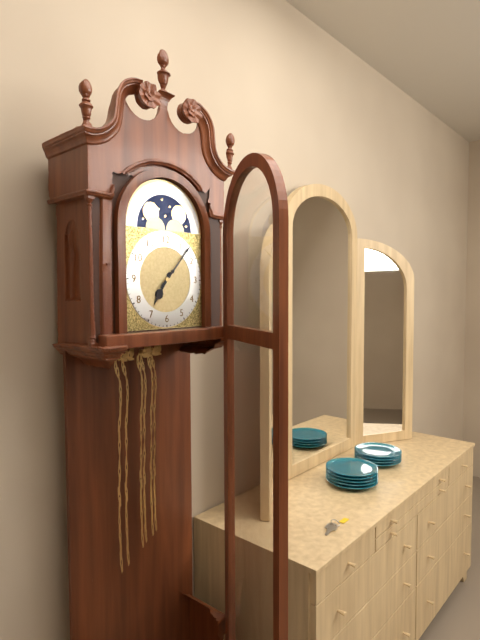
7:07
